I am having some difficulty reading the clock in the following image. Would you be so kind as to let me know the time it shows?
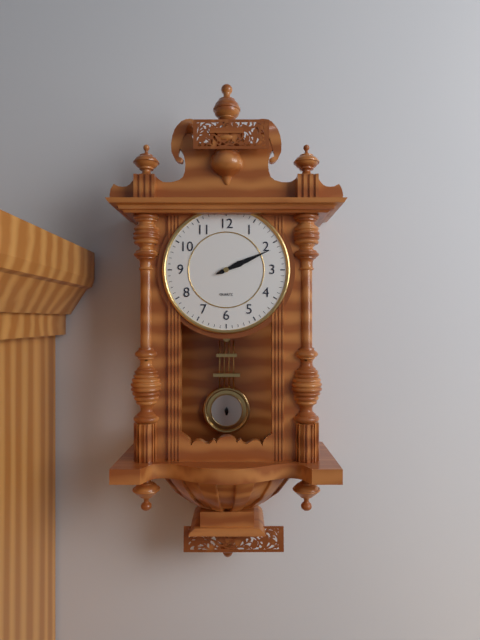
2:11
